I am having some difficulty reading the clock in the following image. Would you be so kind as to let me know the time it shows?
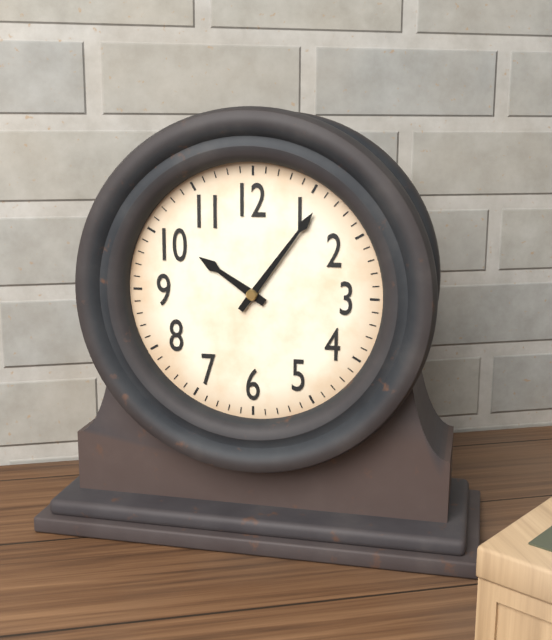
10:06
